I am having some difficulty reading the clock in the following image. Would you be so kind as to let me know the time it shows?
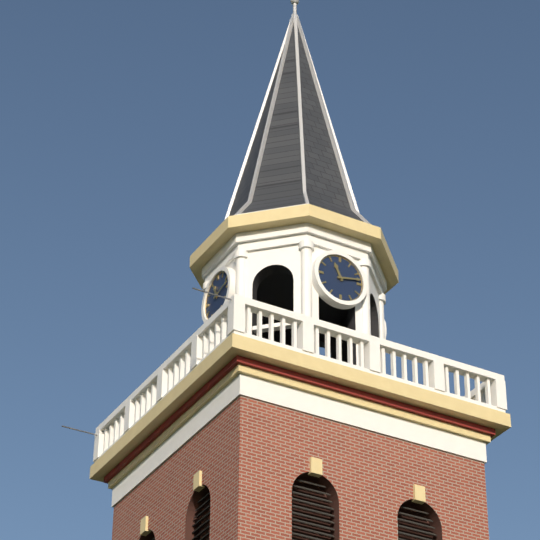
11:13
